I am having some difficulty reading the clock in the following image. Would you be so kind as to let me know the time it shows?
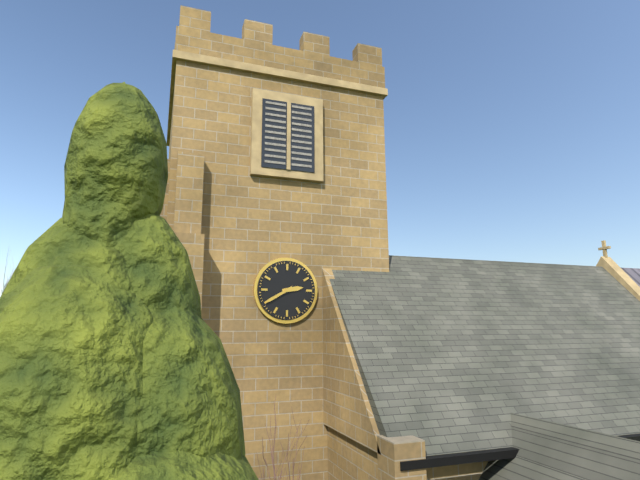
2:40
